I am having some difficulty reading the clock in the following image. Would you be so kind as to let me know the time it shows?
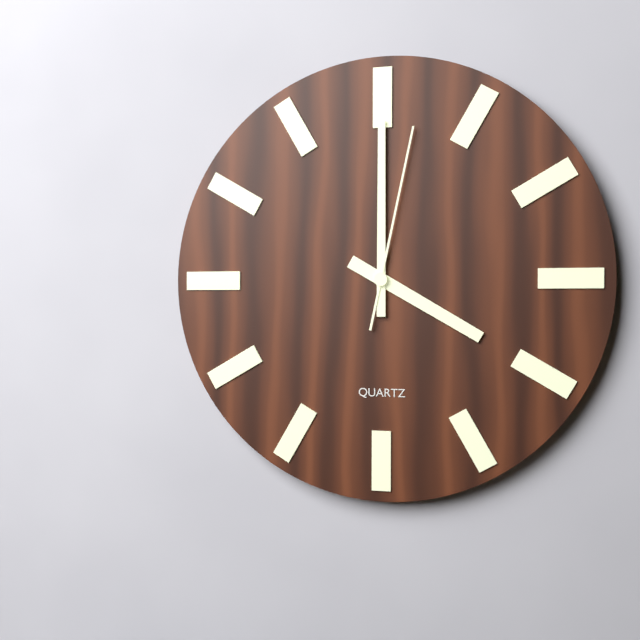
4:00:02
